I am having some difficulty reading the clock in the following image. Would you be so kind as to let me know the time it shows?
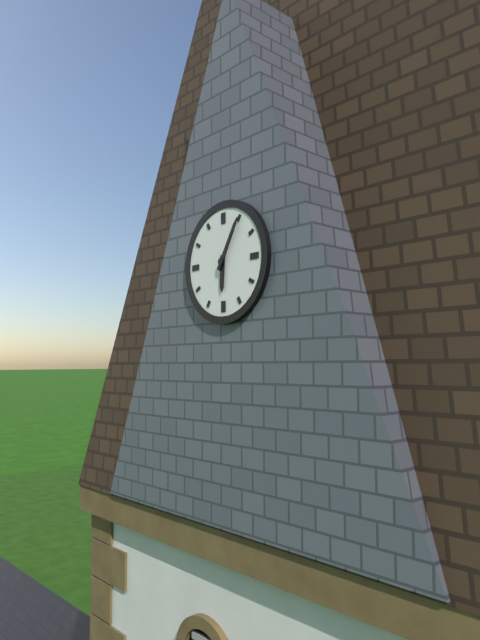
6:05
